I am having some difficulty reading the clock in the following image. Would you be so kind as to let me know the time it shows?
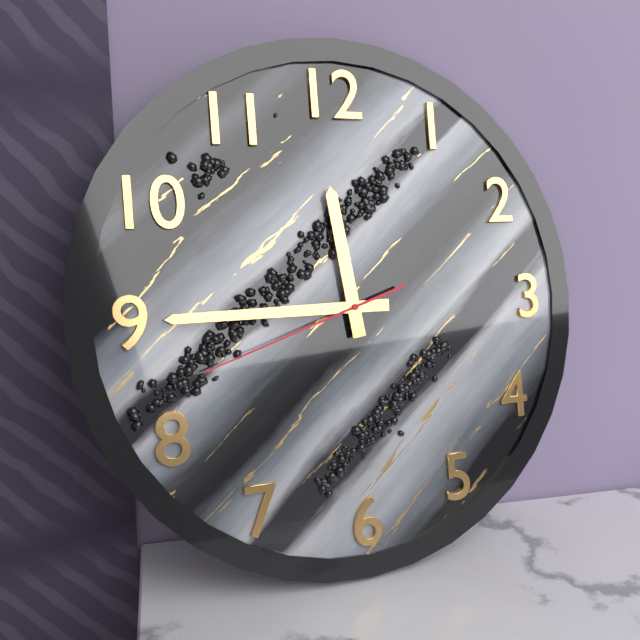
11:45:42
